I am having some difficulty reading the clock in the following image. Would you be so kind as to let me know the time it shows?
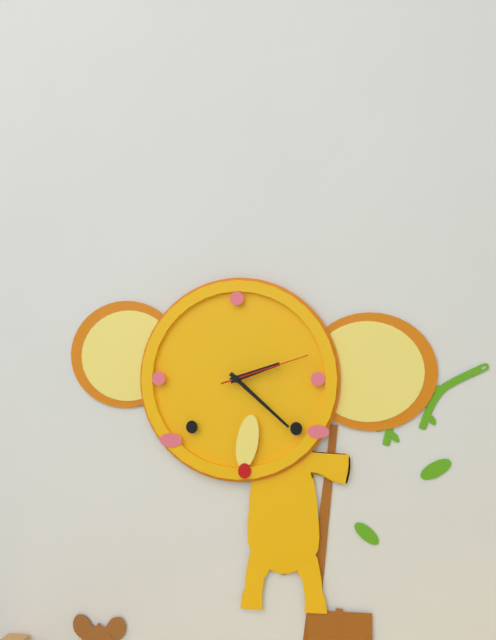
2:22:12
